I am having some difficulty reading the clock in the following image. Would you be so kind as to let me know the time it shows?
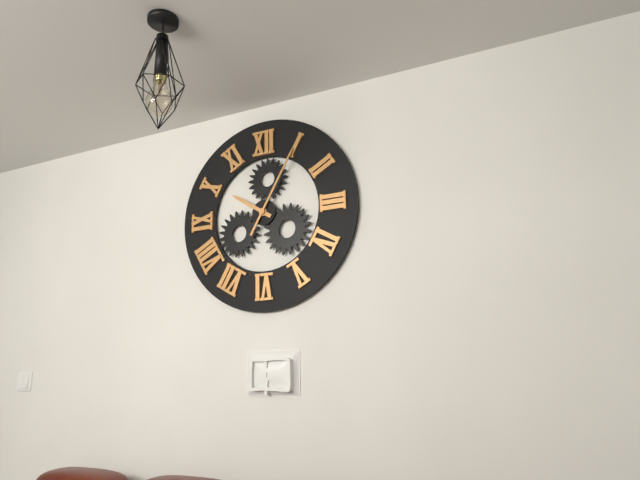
10:05
